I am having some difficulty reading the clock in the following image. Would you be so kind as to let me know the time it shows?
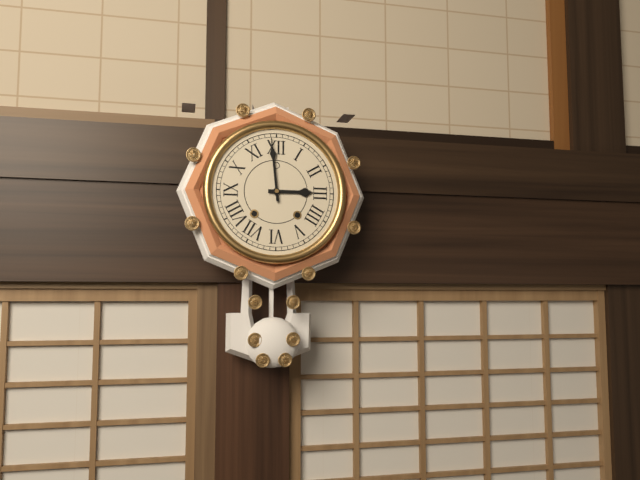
2:59
